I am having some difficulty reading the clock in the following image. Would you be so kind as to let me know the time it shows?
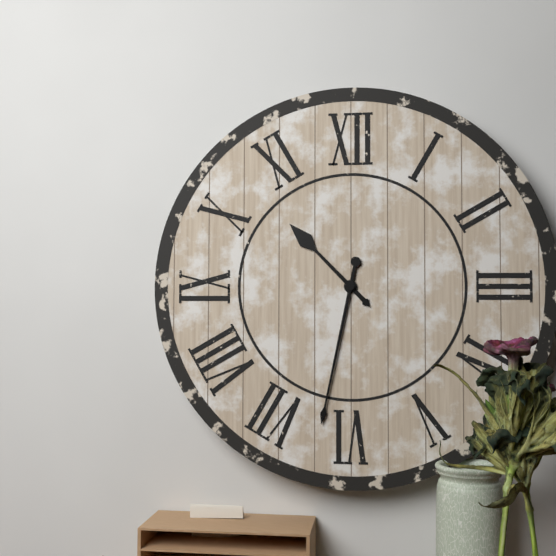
10:32
